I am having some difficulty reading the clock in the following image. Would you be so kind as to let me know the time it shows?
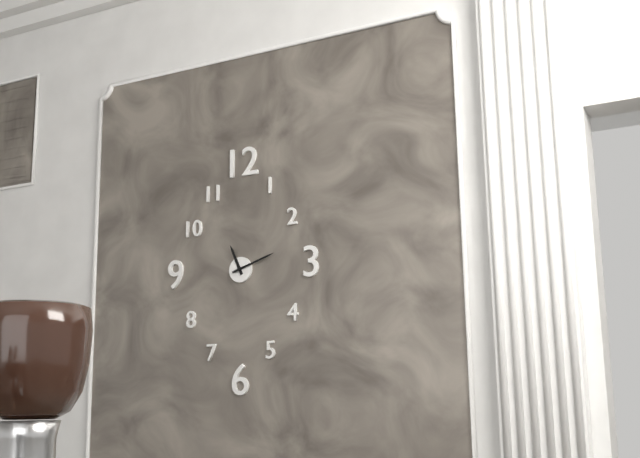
11:12
